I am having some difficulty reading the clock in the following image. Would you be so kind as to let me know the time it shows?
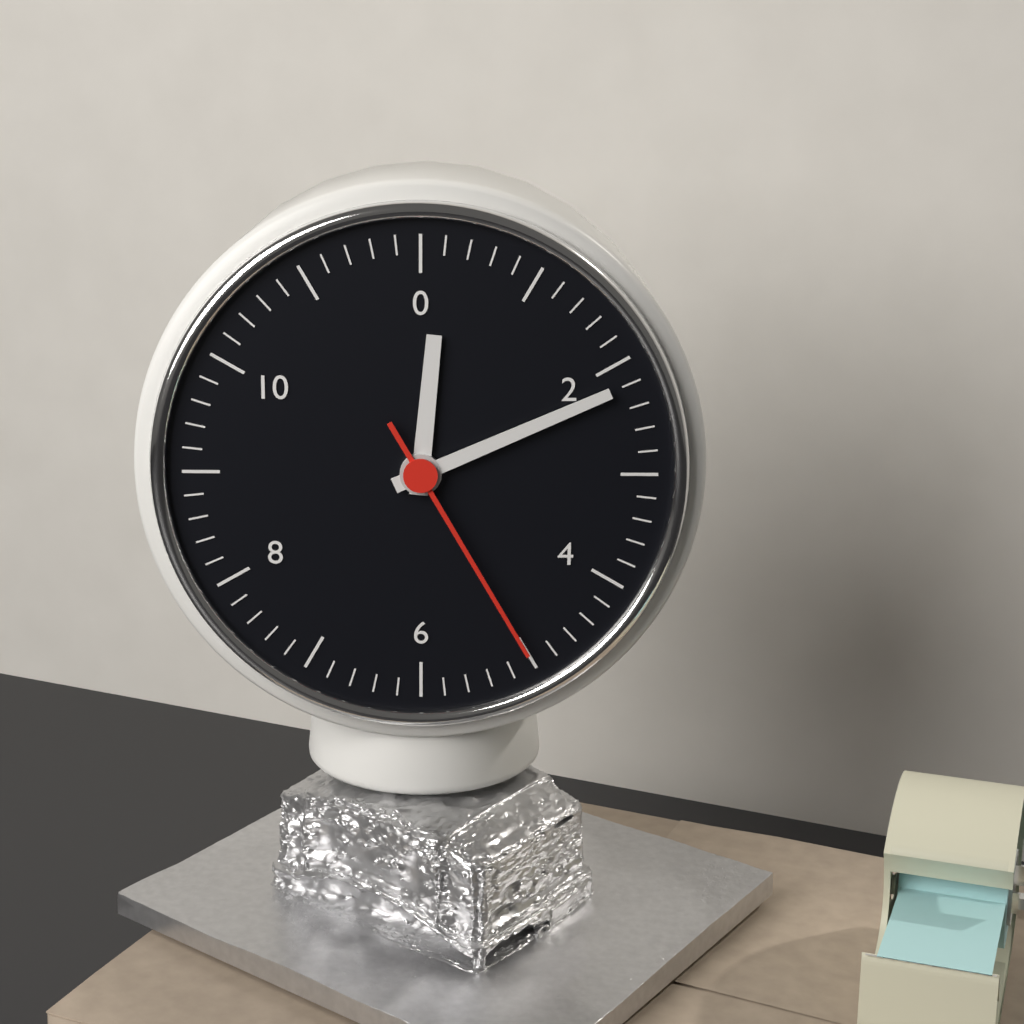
12:11:25
